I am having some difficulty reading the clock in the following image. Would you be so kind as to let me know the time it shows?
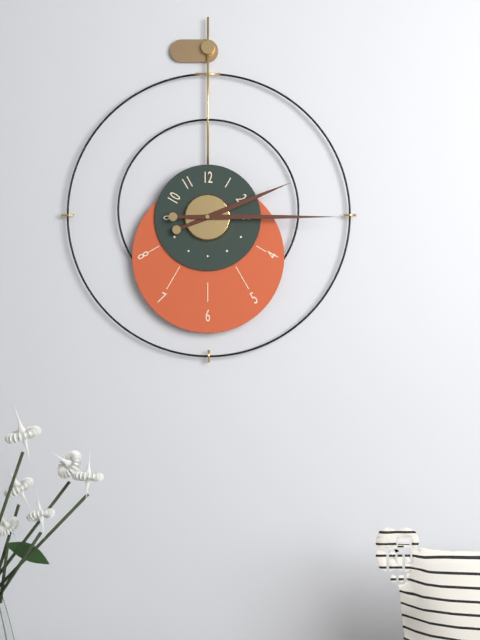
2:15
